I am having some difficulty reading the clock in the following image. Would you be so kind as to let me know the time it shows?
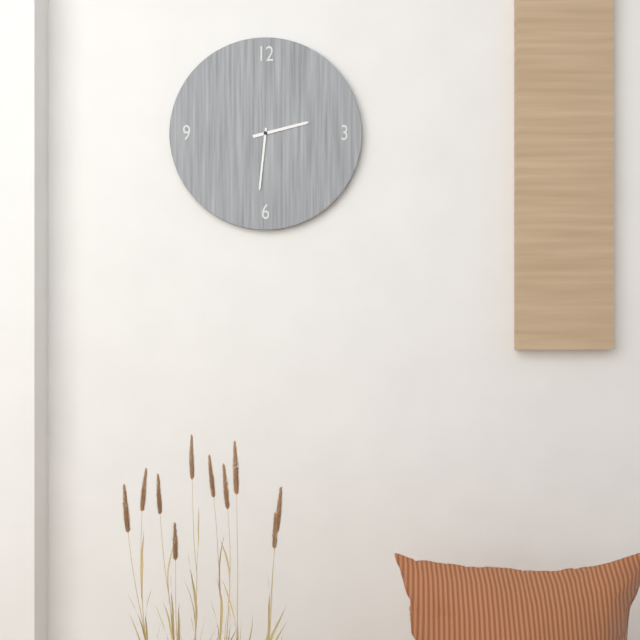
2:31
